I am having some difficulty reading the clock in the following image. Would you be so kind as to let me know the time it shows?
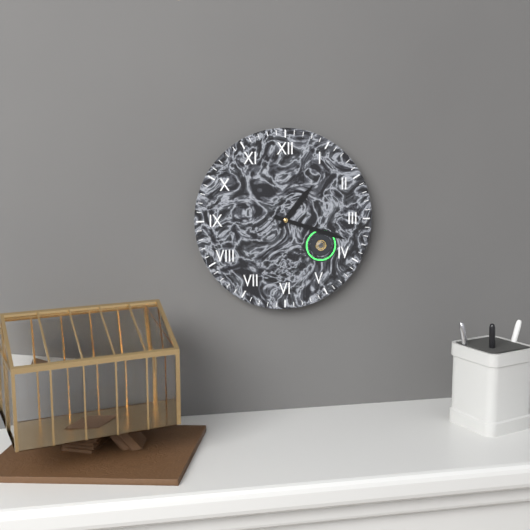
1:18
